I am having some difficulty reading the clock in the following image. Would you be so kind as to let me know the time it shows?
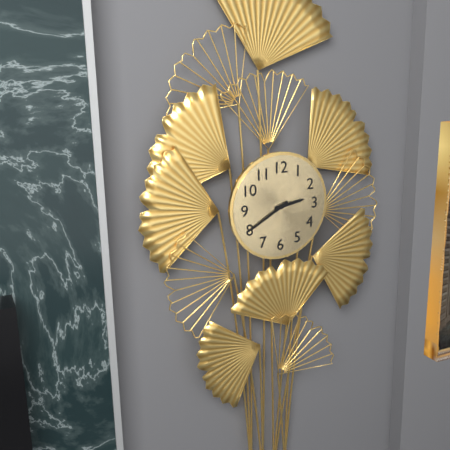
2:40
